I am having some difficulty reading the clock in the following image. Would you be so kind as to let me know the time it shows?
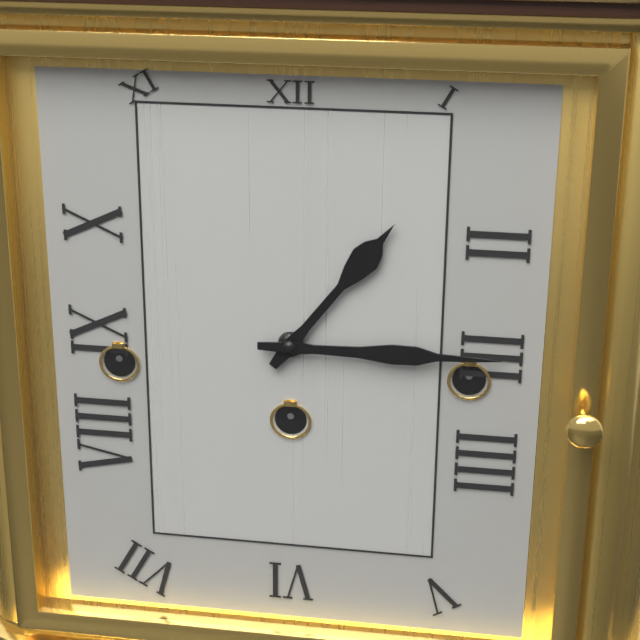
1:15
